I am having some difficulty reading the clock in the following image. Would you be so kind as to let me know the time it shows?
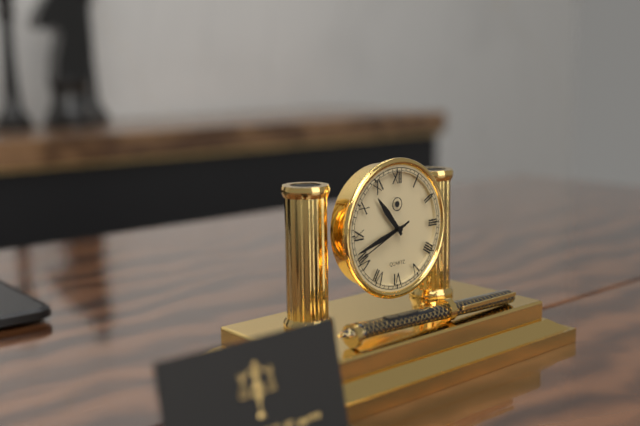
10:42:41
